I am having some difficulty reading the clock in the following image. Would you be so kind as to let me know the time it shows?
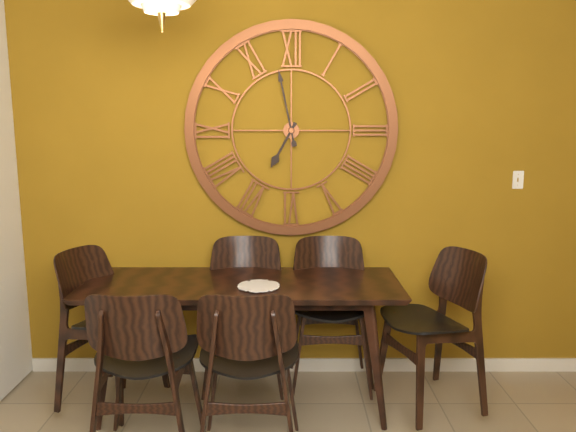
6:58
